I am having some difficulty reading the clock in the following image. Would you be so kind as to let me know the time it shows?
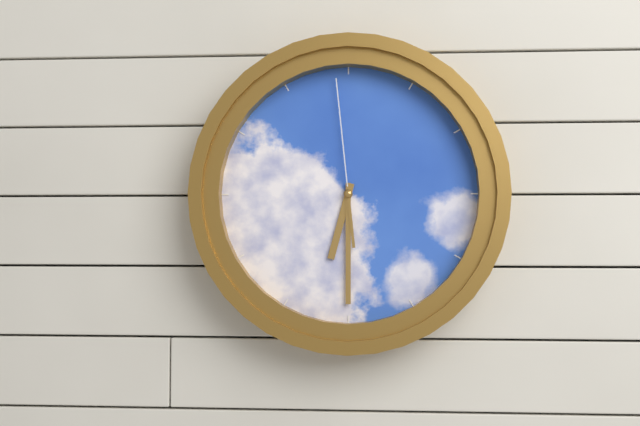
6:30:59
